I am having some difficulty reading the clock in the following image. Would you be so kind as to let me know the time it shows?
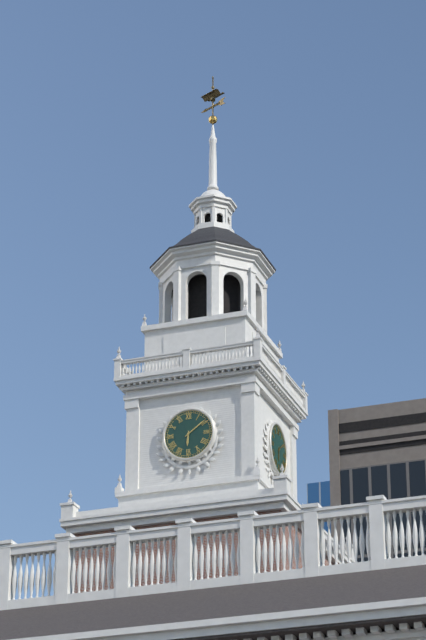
6:09
